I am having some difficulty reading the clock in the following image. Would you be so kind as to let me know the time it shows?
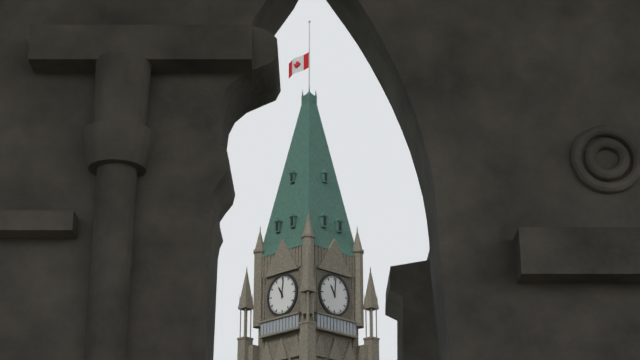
11:01
